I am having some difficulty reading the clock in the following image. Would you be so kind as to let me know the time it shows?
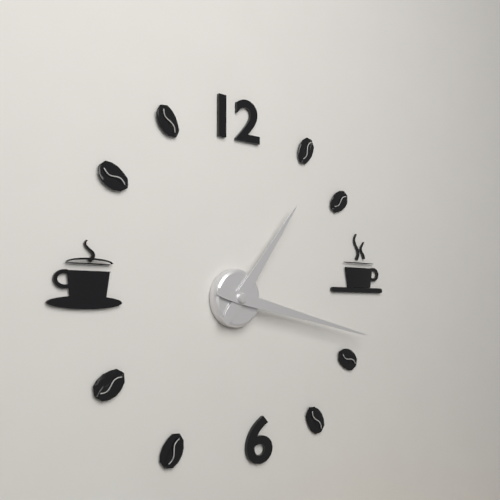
1:17
